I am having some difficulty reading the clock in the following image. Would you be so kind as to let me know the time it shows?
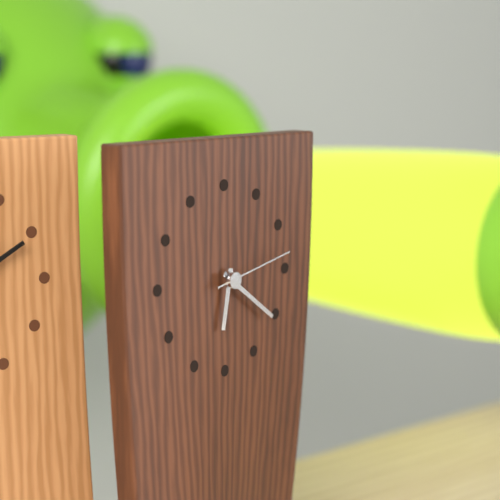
6:21:13
